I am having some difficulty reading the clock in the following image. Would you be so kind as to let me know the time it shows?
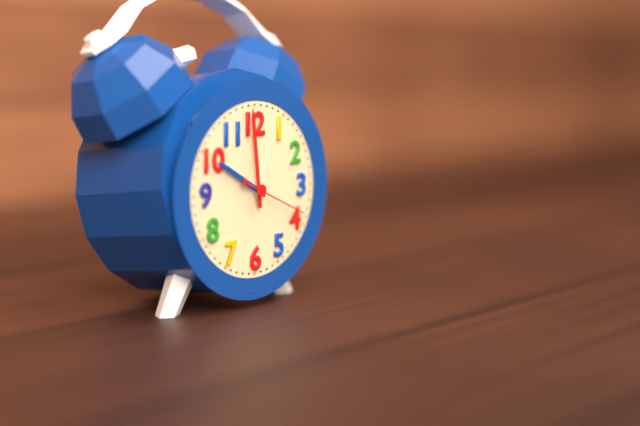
9:59:19
